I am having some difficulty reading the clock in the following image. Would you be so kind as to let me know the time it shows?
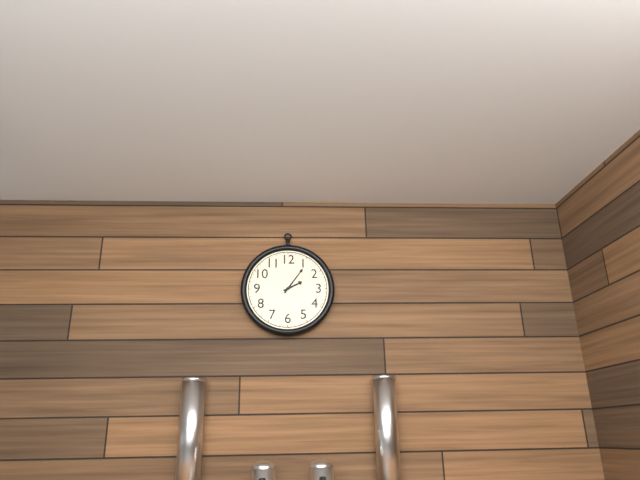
2:06
